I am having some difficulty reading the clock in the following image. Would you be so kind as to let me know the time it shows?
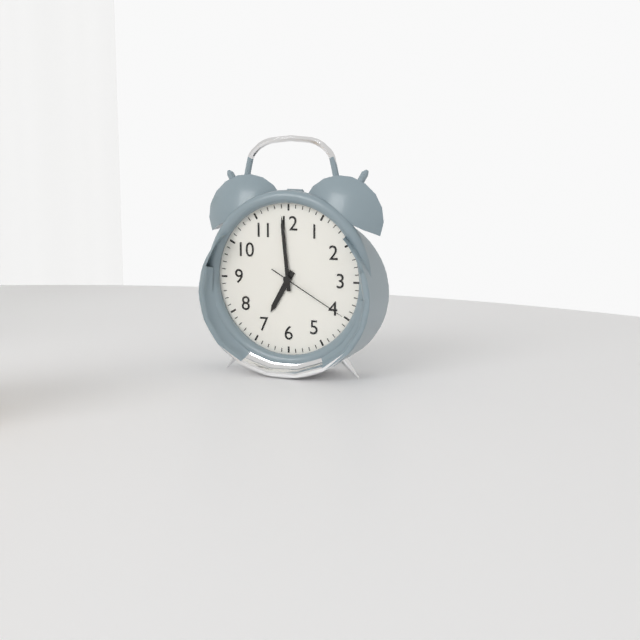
6:59:20
